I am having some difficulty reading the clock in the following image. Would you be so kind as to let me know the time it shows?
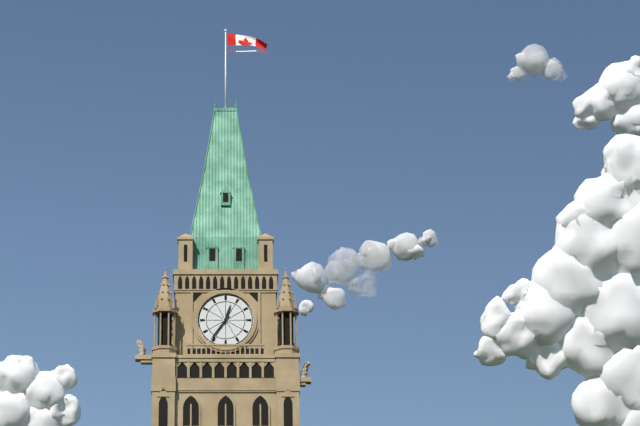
12:36
